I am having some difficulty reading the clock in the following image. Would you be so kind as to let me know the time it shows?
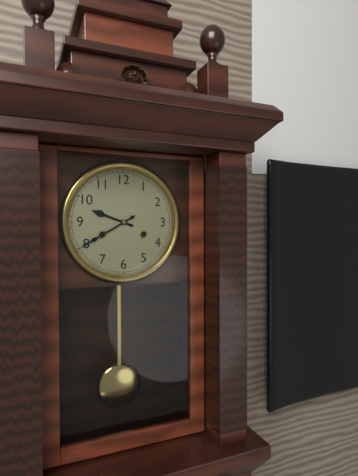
9:40
